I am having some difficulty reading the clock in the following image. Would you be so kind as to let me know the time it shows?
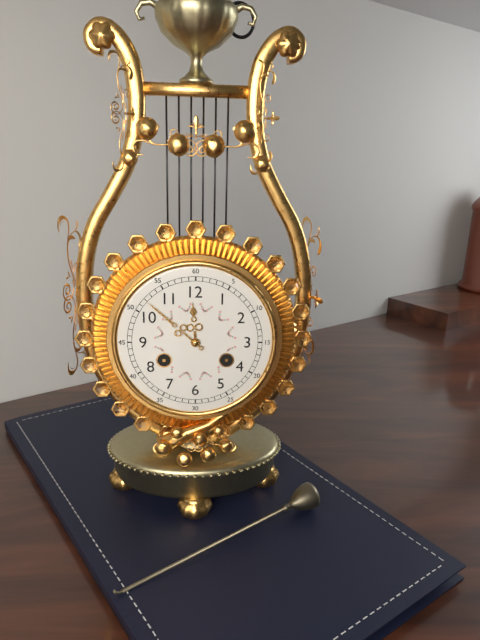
11:52
